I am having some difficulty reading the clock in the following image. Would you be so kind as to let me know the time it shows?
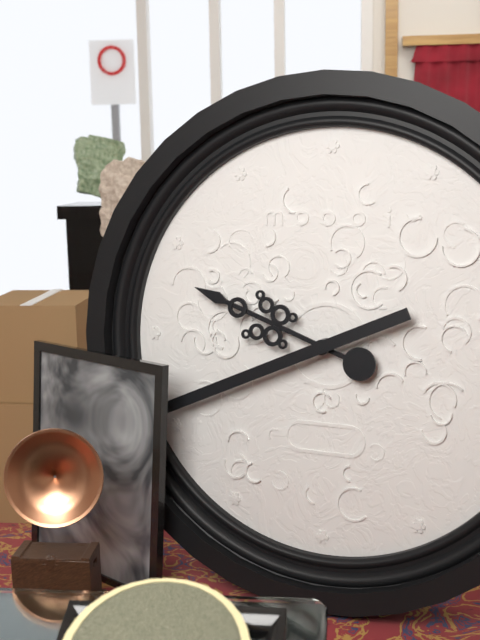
9:41
